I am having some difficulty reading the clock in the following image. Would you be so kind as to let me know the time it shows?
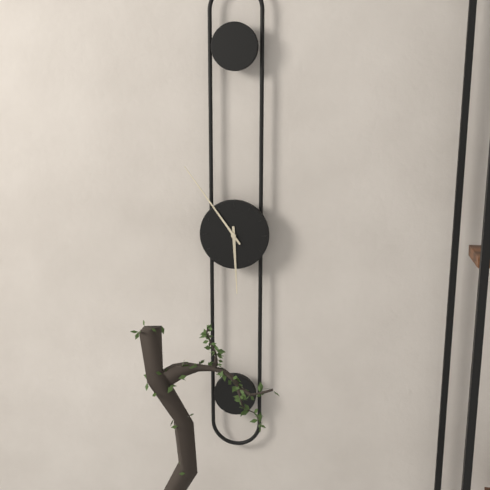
5:54
